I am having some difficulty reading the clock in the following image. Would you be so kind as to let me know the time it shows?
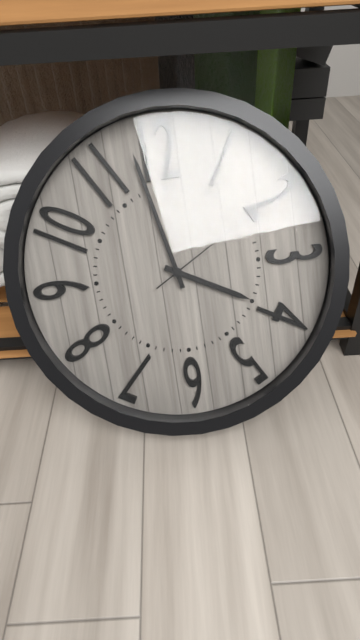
3:58:10
